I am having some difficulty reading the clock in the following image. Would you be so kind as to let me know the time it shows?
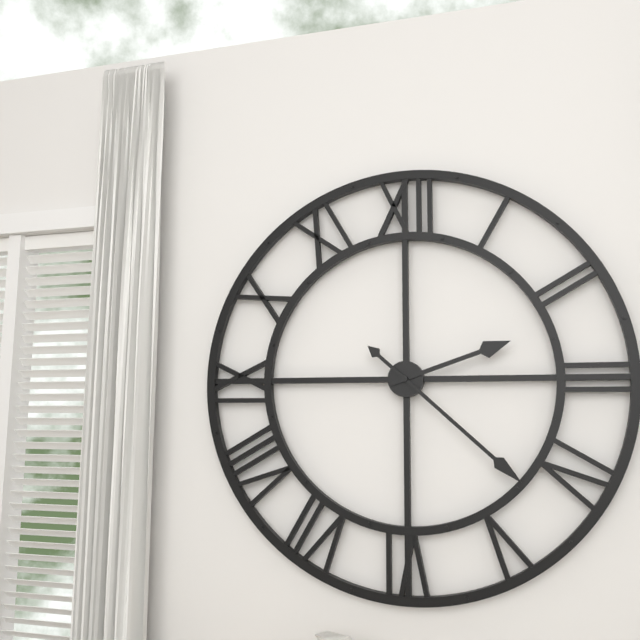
2:22
